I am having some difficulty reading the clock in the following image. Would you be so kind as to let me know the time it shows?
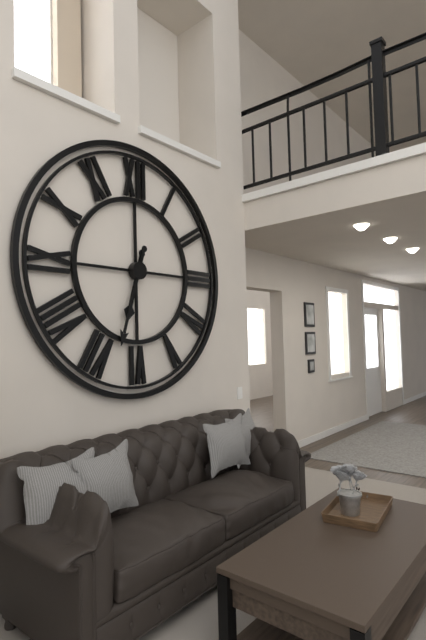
6:33
